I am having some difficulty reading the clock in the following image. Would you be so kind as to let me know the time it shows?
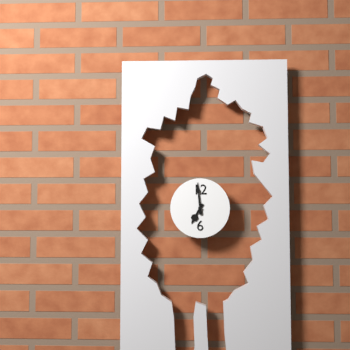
6:59
